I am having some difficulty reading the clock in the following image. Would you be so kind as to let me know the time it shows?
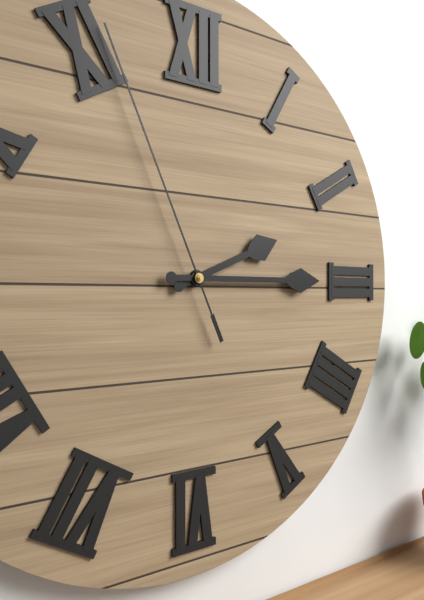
2:15:56
